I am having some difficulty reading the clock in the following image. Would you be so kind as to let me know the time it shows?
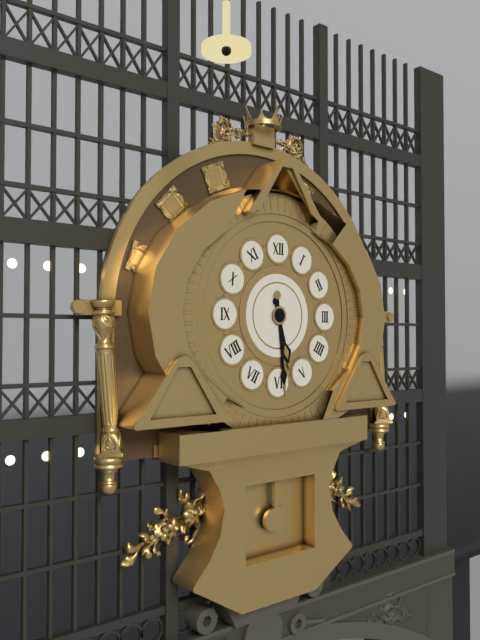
5:29
